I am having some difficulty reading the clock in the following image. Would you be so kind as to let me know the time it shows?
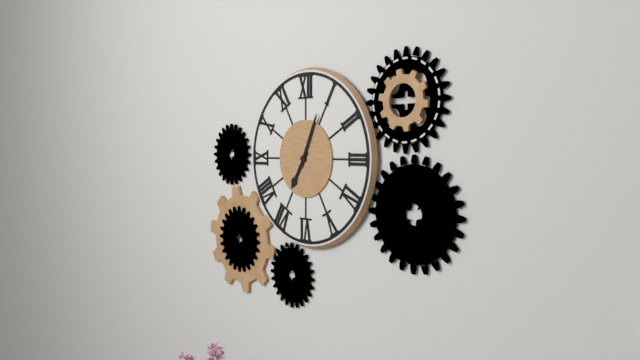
7:04
